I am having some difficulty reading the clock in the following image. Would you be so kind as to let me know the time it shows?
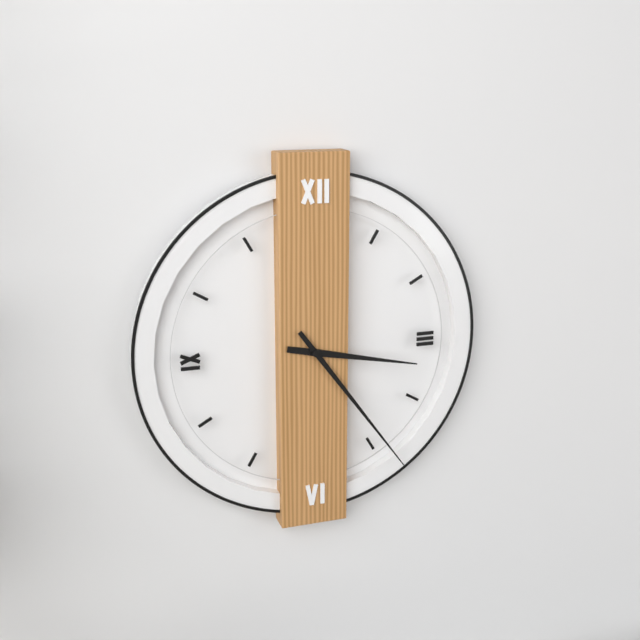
3:24
